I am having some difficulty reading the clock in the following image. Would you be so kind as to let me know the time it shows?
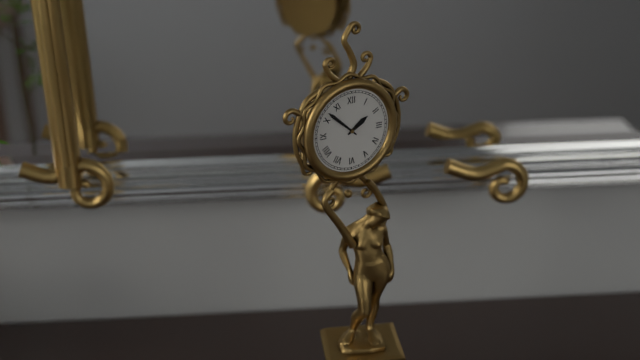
1:52
